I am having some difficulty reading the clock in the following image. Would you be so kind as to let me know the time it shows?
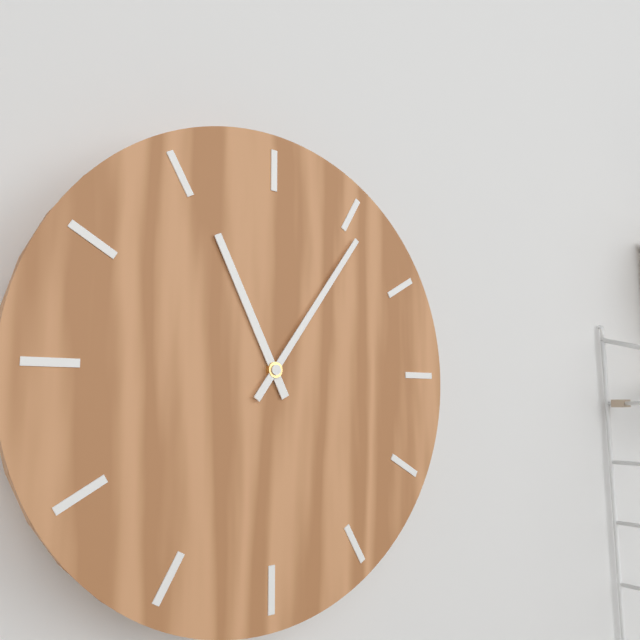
11:06
